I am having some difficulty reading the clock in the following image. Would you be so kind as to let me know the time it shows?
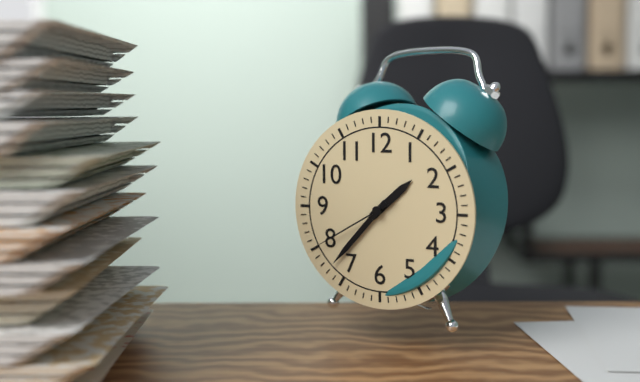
1:37:40
